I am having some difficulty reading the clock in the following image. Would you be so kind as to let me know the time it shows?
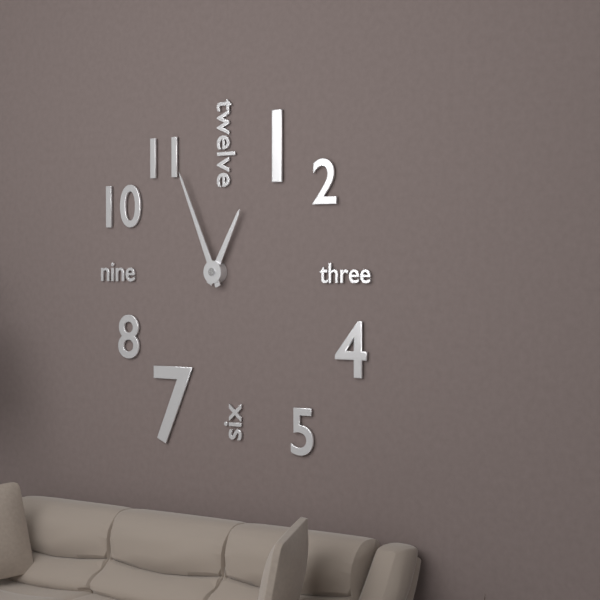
12:56
